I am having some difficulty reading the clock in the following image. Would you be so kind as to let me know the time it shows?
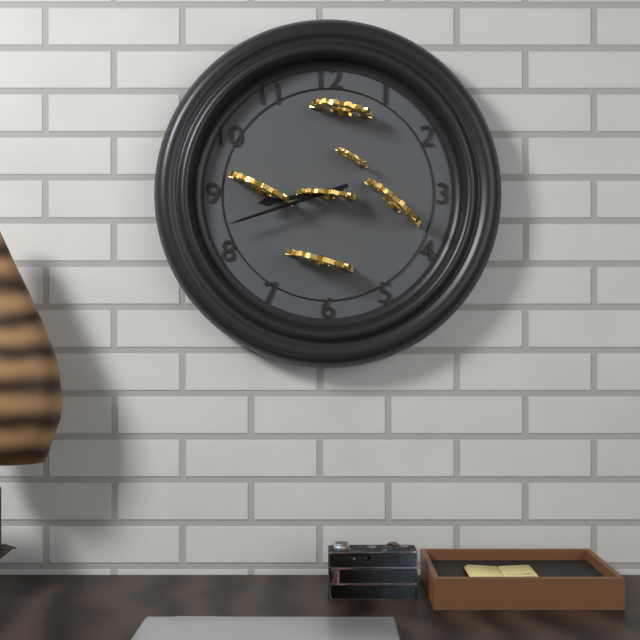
8:42
